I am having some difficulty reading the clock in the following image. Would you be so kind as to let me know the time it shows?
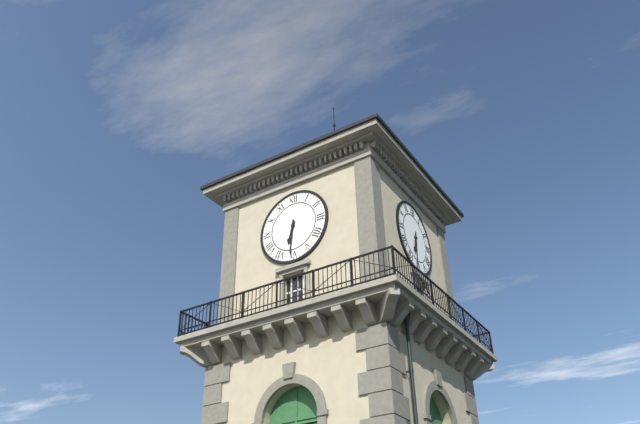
6:31
